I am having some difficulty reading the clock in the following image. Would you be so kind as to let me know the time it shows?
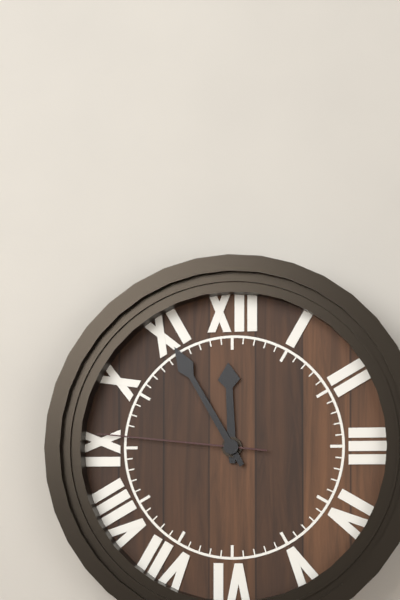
11:55:46
